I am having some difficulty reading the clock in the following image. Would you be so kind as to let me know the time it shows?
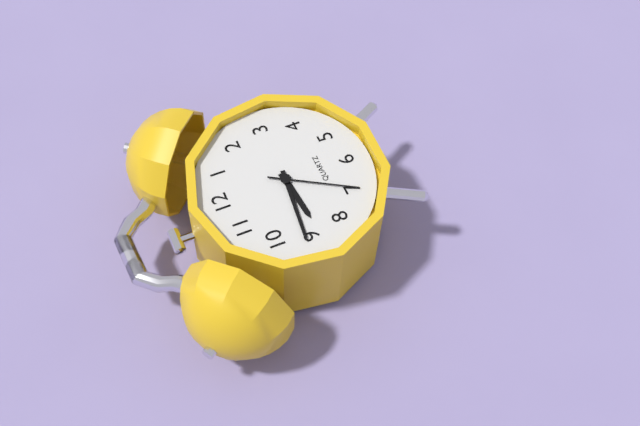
8:46:35
